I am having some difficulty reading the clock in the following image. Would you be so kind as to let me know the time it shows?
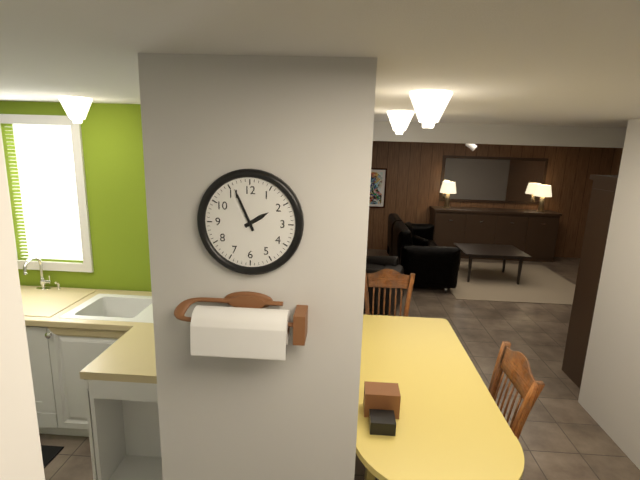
1:56
